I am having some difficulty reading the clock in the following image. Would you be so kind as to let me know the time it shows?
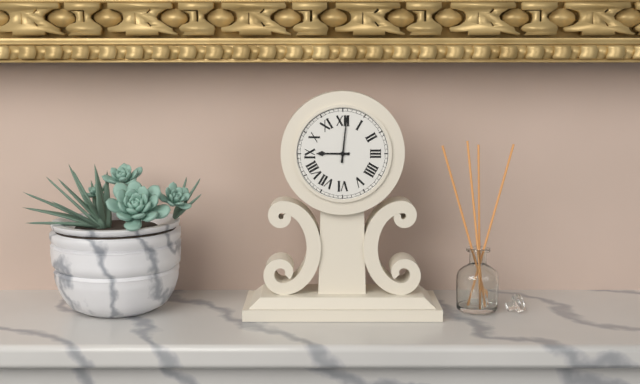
9:01
